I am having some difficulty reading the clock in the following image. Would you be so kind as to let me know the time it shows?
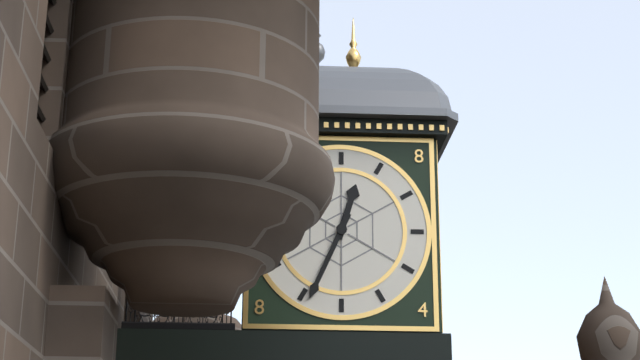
12:34
